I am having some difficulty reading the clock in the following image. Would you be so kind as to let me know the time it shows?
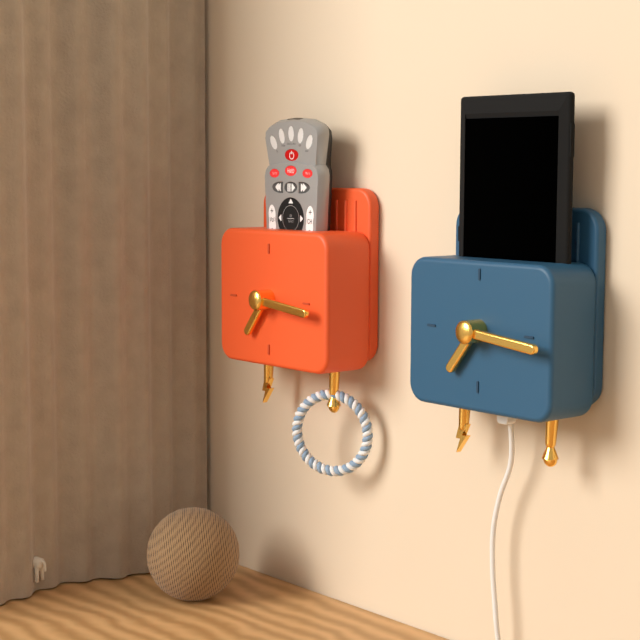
7:16
